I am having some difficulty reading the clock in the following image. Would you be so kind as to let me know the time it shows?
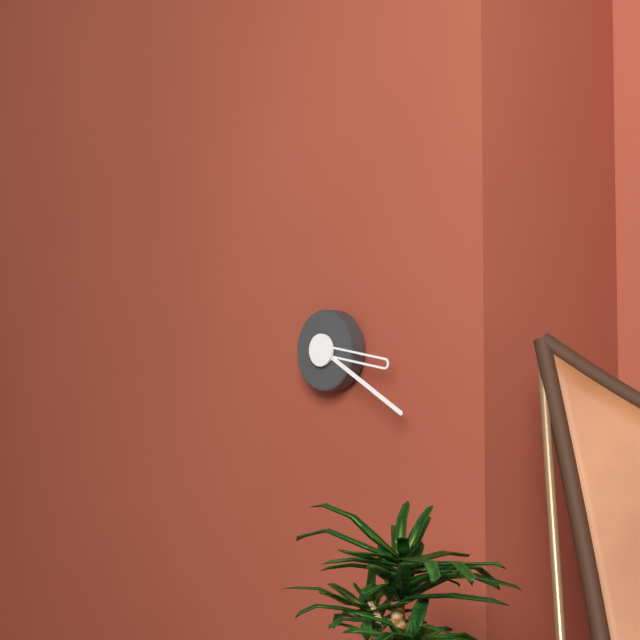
3:20
